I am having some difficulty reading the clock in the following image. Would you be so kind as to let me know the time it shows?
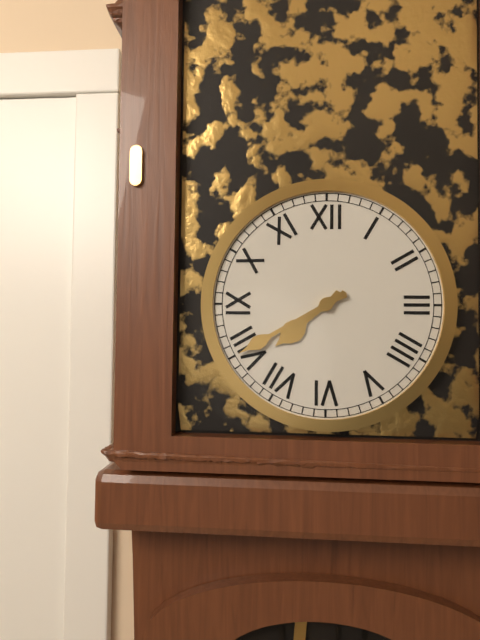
7:40
